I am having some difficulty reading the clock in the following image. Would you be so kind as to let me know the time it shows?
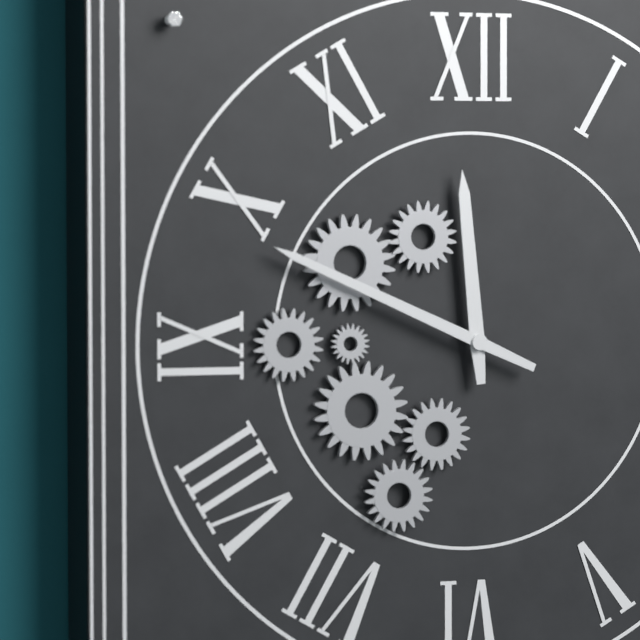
11:49
